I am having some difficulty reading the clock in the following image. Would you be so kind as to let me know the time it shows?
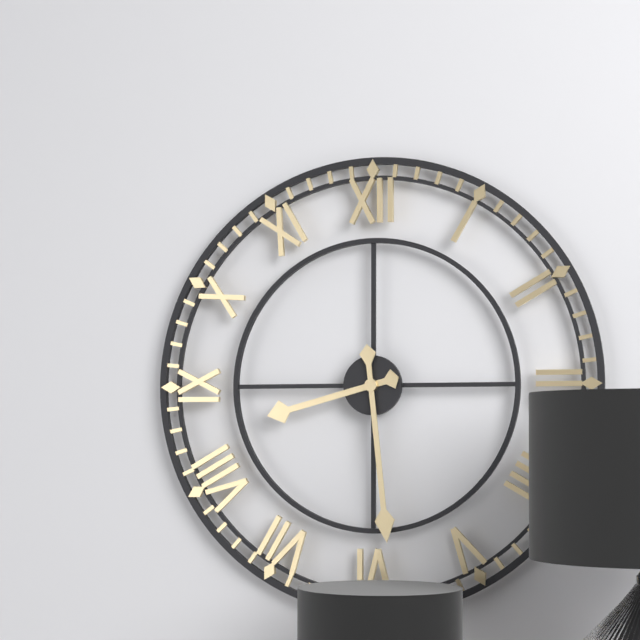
8:29
